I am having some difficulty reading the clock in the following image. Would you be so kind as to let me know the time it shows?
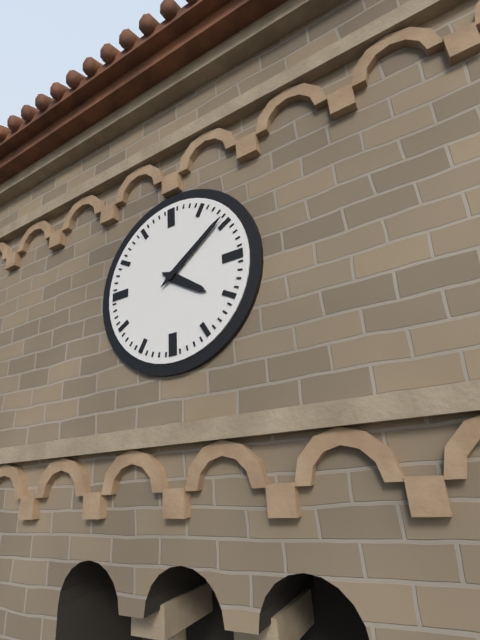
4:09
